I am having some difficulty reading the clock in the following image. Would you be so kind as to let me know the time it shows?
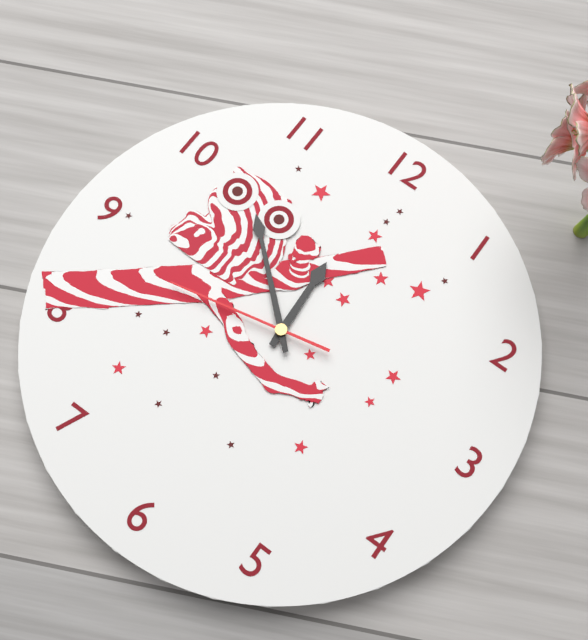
11:52:43
